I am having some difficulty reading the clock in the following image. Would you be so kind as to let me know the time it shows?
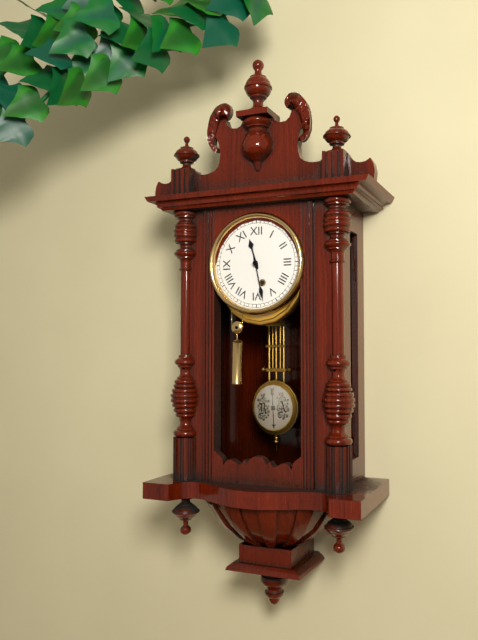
11:28
